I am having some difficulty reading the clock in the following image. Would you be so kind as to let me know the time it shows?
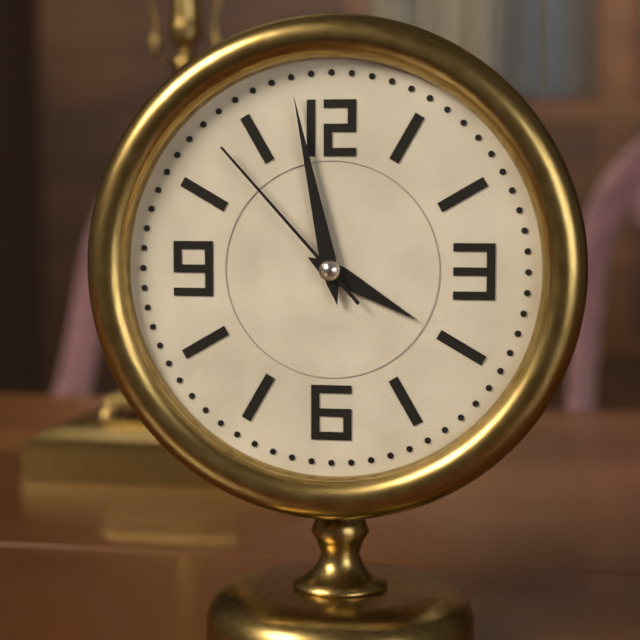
3:58:53
